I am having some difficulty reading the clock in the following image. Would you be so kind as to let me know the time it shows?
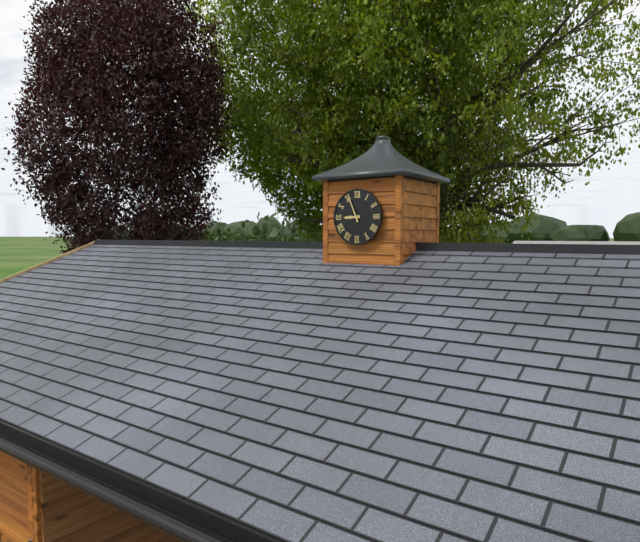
8:56
